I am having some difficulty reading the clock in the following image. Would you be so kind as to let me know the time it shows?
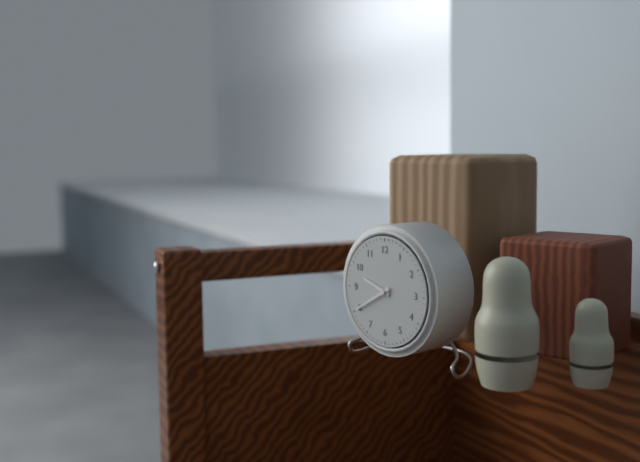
9:40
